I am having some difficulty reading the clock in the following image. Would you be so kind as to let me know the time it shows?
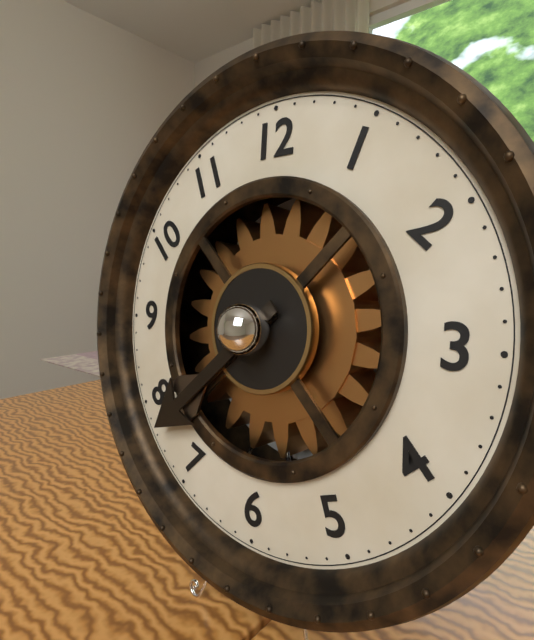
7:38
